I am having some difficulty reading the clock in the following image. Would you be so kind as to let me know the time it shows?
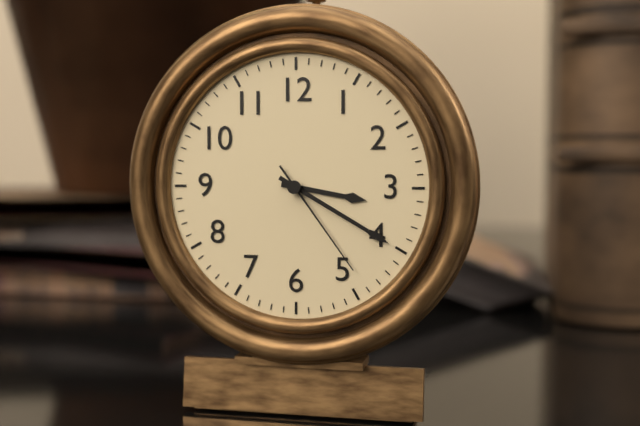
3:20:24
